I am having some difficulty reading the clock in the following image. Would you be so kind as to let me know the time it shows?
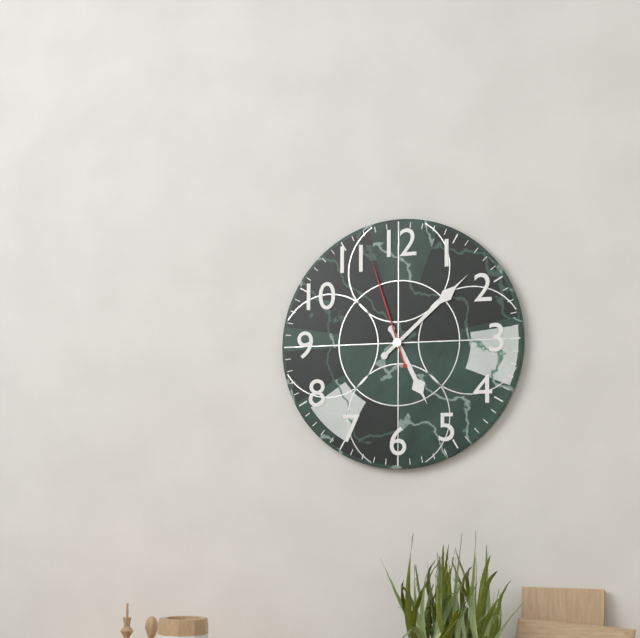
5:08:57
